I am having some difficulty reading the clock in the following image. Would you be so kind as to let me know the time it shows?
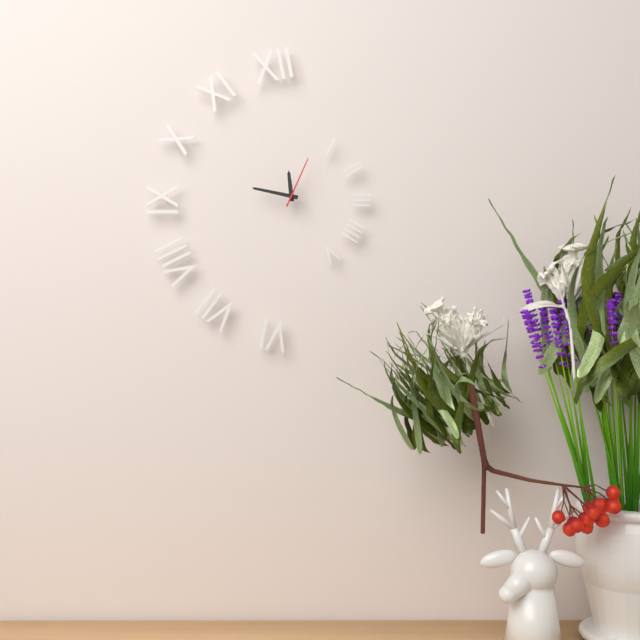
11:47:04
